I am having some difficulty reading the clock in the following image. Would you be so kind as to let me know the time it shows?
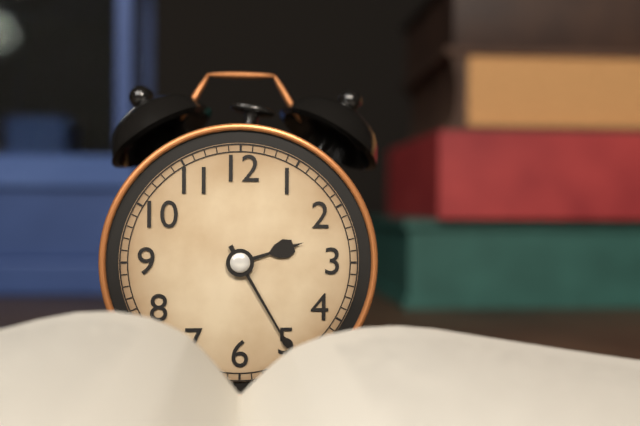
2:25
